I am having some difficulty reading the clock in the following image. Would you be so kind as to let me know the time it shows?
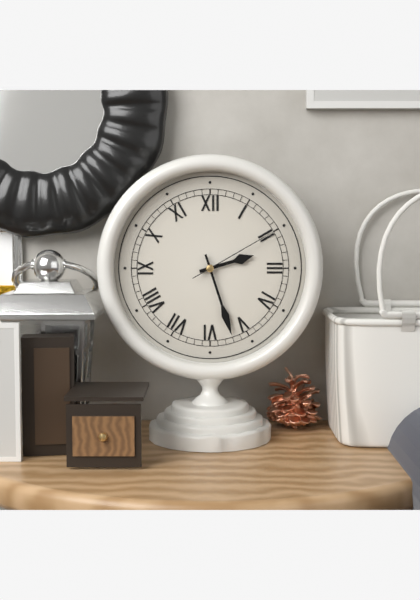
2:27:10
